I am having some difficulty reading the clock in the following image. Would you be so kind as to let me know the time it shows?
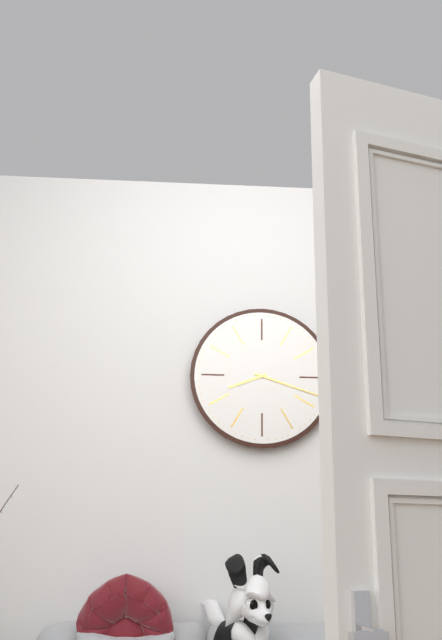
8:18
